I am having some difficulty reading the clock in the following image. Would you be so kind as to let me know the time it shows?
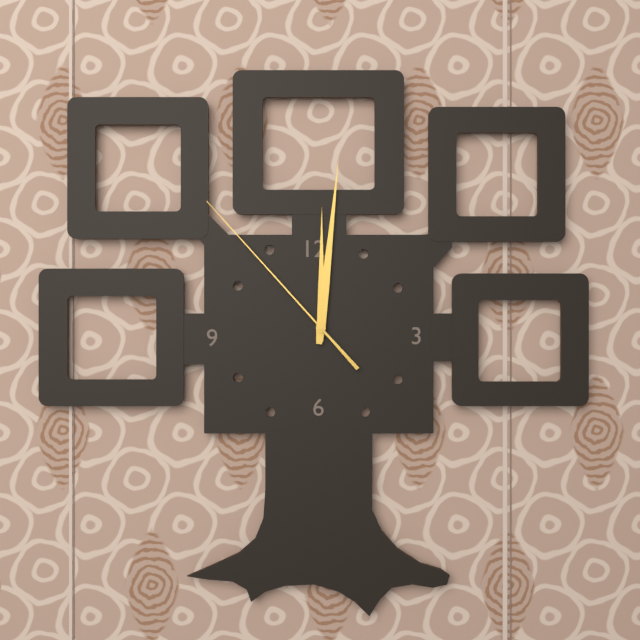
12:01:53
